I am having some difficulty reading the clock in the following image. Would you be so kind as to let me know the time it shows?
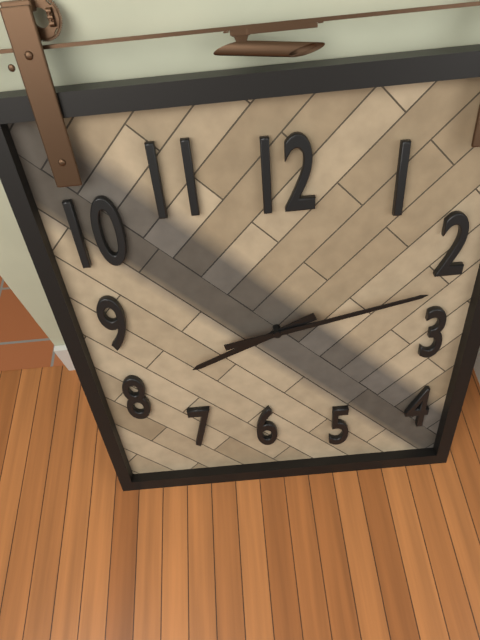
8:13
